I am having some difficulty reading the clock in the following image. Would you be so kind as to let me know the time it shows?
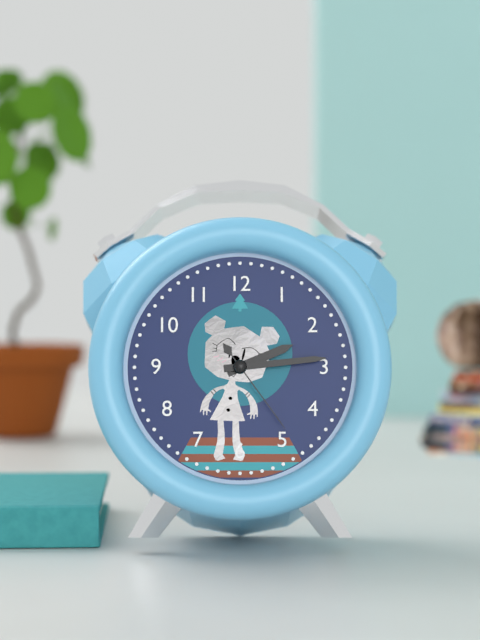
2:14:24
